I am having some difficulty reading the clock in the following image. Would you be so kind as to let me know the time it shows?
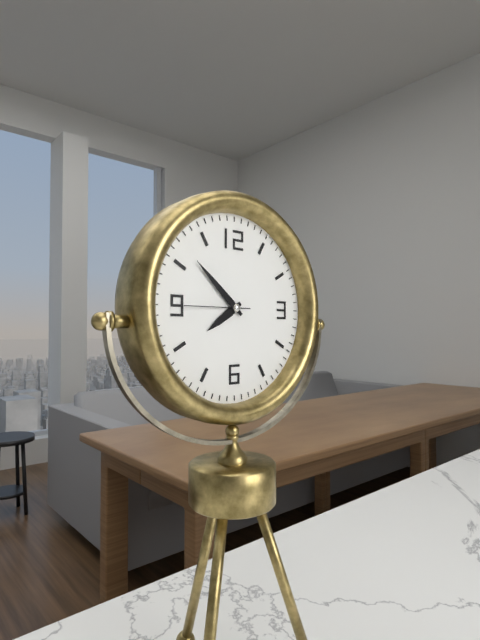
7:52:45
